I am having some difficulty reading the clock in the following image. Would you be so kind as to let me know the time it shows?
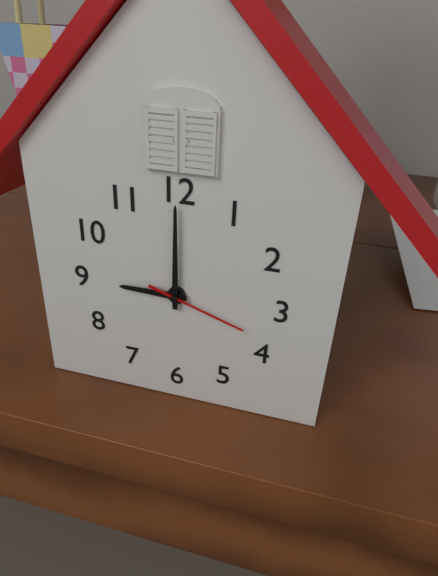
9:00:18
